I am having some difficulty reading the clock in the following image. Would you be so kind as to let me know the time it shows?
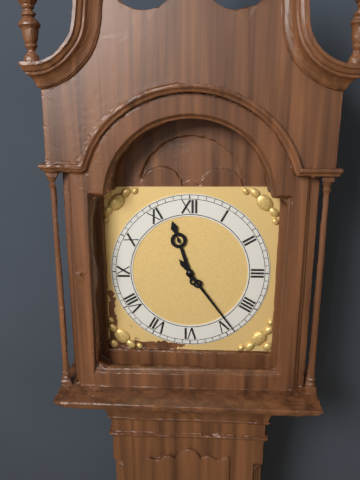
11:24
